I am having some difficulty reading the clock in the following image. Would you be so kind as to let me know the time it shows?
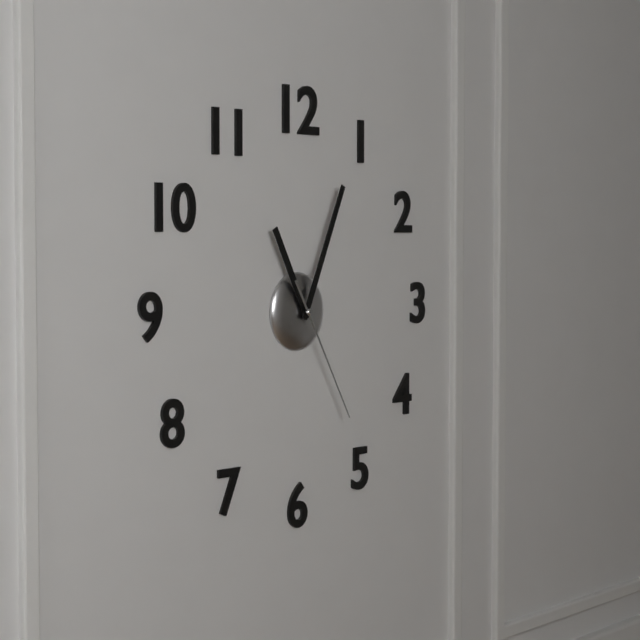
11:04:25
